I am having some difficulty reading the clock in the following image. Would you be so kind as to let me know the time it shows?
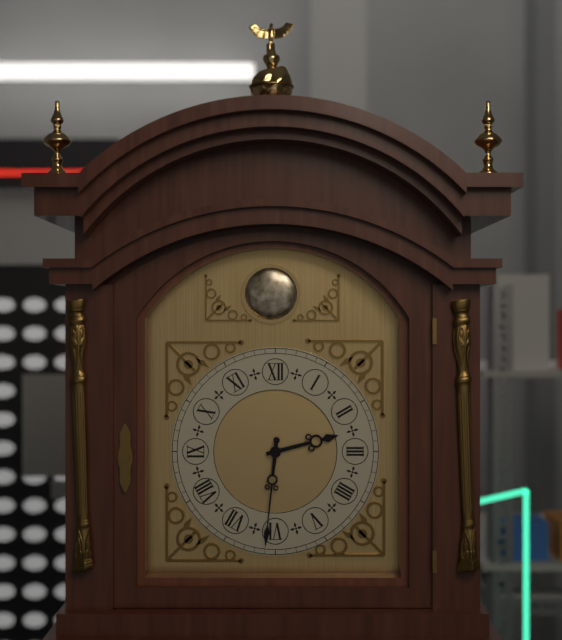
2:31
